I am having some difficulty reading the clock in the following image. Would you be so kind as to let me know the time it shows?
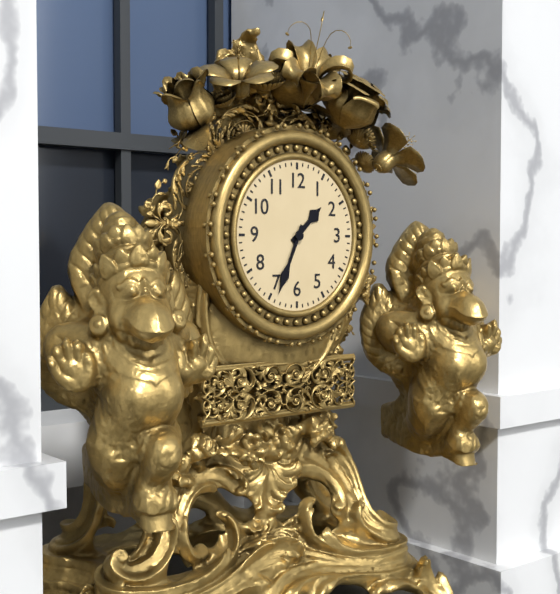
1:34
